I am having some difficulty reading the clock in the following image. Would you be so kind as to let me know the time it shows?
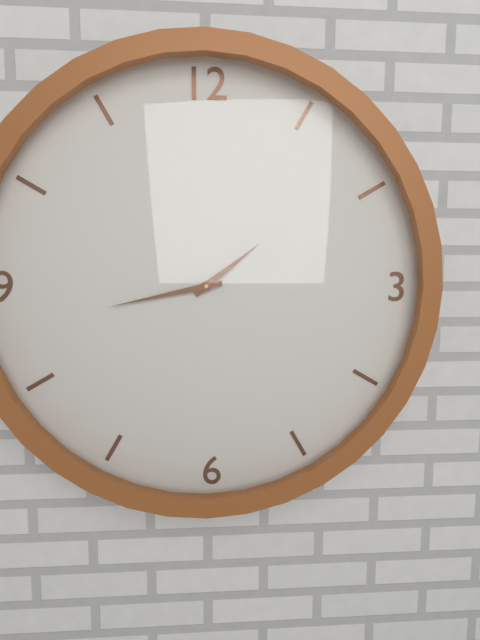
1:43
